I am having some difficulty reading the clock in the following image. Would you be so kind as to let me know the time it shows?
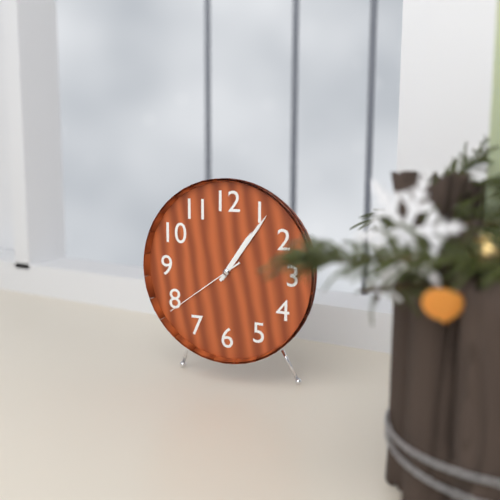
1:06:39
